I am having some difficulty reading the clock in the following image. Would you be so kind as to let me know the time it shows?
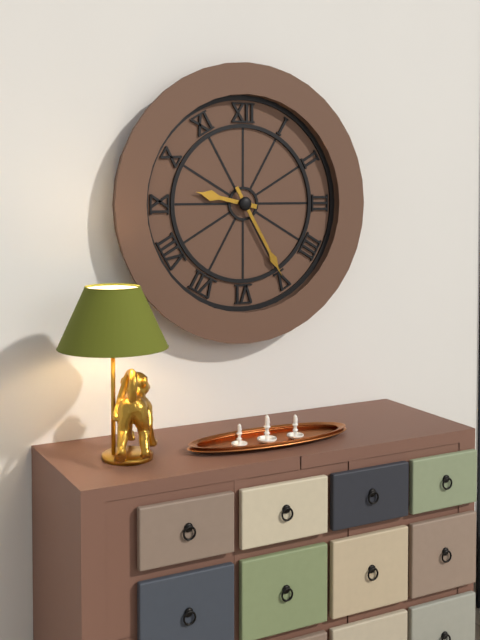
9:25
